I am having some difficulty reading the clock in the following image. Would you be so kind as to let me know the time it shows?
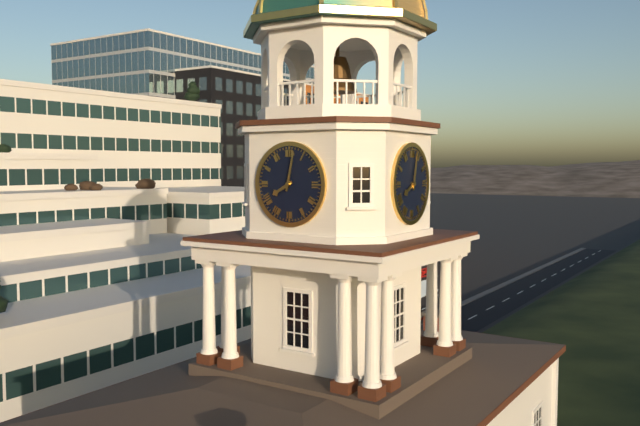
8:02
